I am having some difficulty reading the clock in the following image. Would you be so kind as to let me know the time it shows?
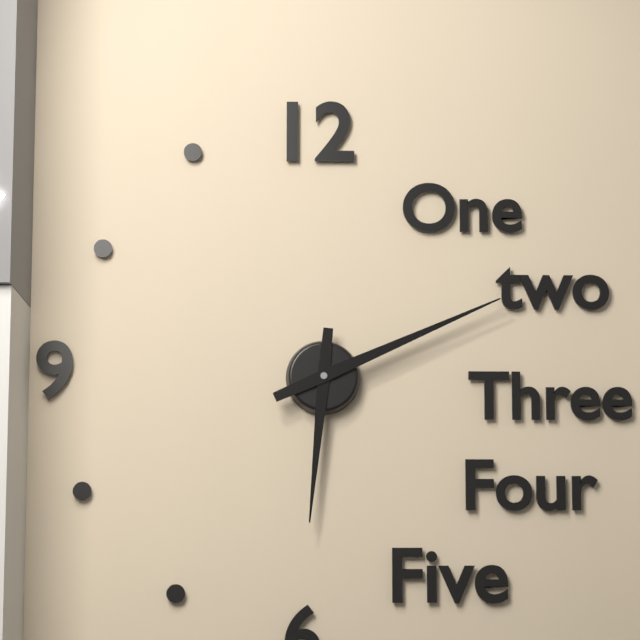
6:11
